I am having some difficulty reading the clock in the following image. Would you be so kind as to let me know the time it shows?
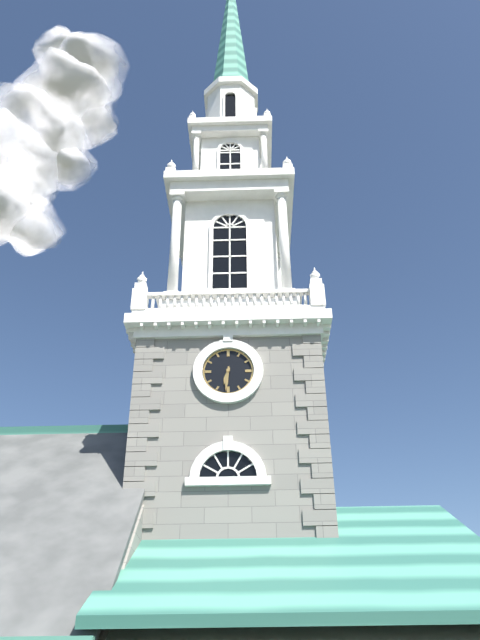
6:31
